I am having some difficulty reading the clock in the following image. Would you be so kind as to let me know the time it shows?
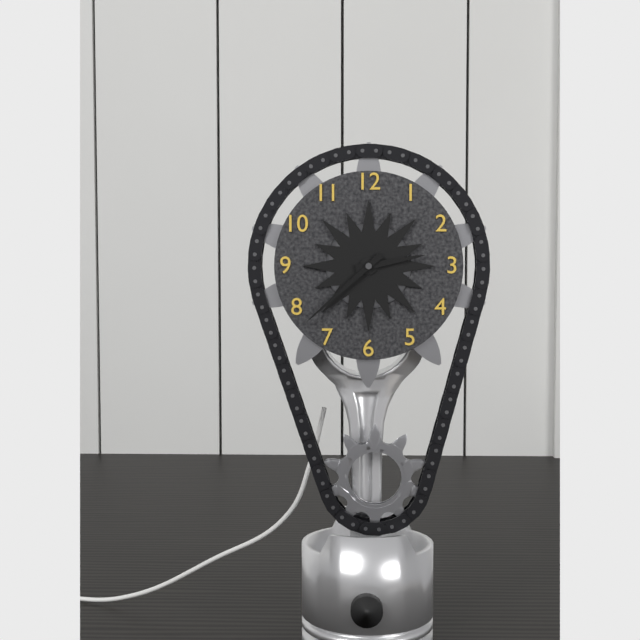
2:38
